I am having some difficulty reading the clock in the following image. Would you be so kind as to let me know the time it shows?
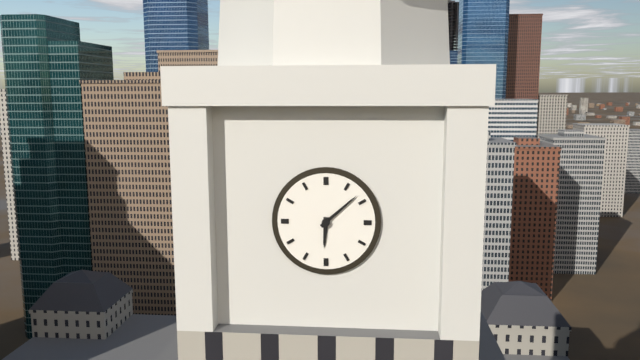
6:08
